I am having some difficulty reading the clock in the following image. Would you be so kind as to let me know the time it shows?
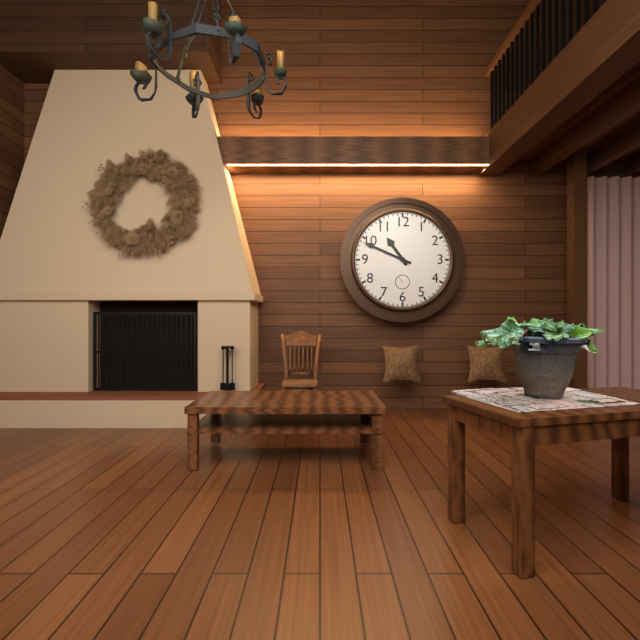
10:49
